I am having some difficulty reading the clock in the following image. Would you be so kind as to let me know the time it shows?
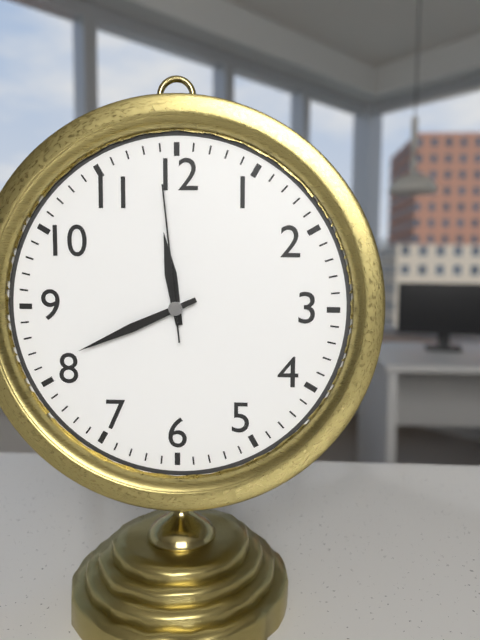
11:41:59
